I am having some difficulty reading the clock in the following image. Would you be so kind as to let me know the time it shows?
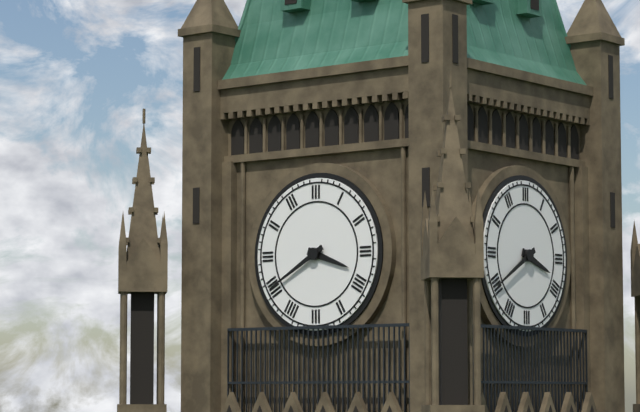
3:40
